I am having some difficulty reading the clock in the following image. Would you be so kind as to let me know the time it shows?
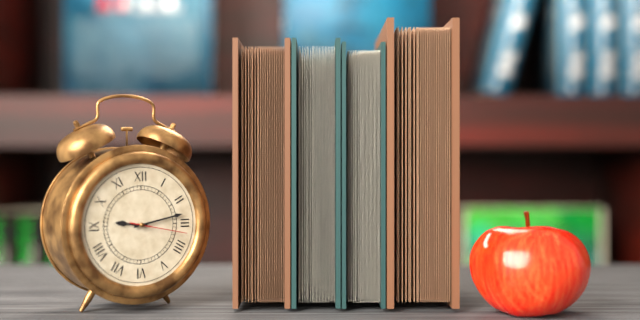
9:13:17
